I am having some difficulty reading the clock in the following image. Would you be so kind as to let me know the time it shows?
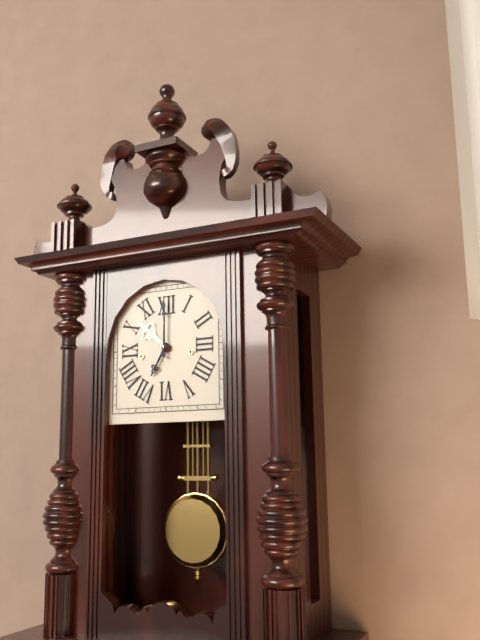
7:00
